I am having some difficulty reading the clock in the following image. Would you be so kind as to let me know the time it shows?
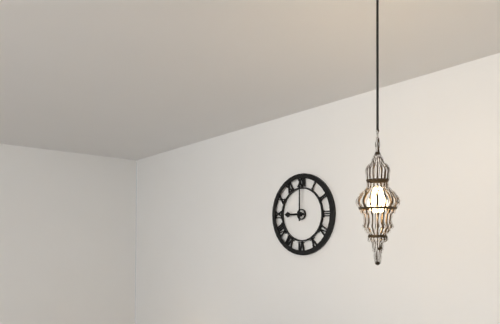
9:00
